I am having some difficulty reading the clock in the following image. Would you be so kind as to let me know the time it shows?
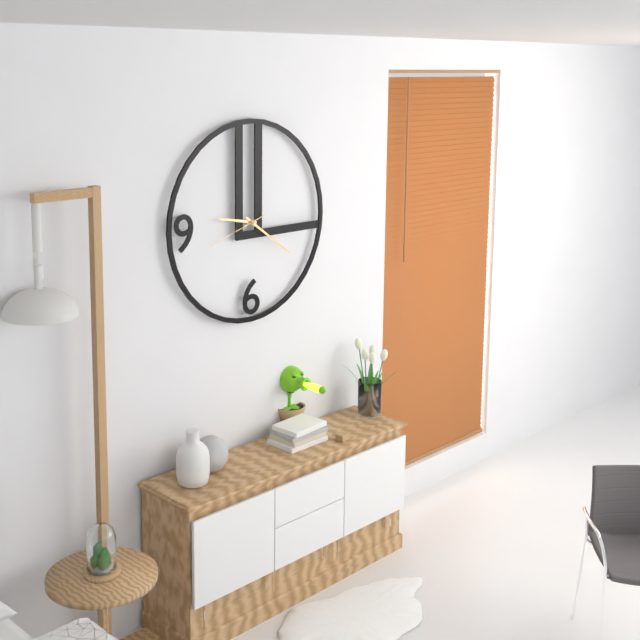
9:21:42
